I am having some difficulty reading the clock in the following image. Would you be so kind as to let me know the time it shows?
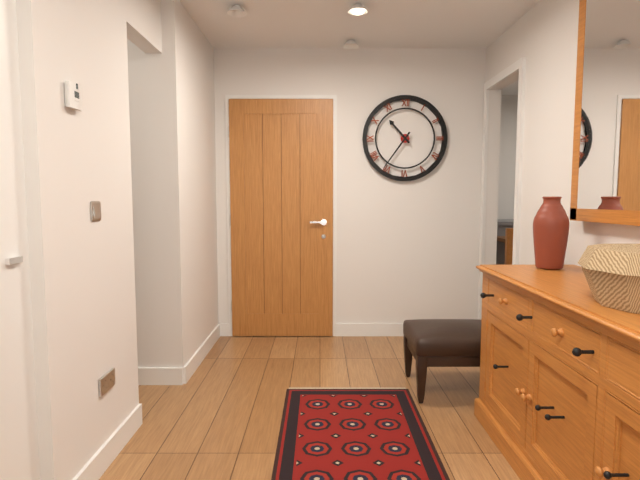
10:36
